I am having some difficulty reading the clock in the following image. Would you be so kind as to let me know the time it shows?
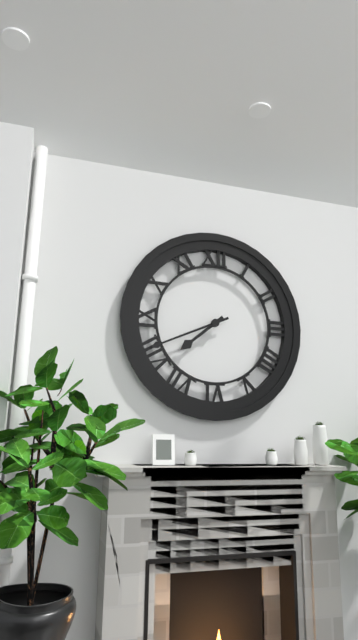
7:41
